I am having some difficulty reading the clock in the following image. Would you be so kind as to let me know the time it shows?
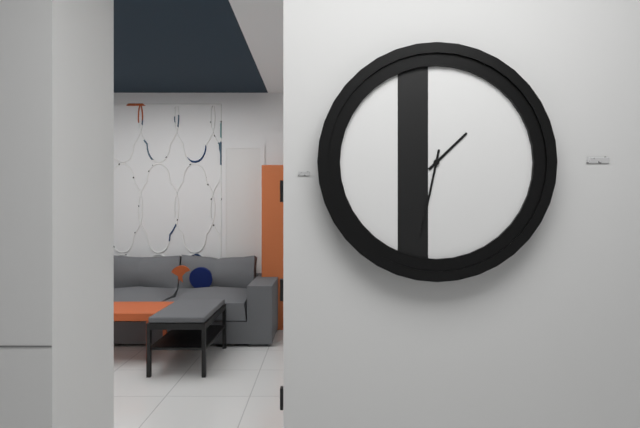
1:32
